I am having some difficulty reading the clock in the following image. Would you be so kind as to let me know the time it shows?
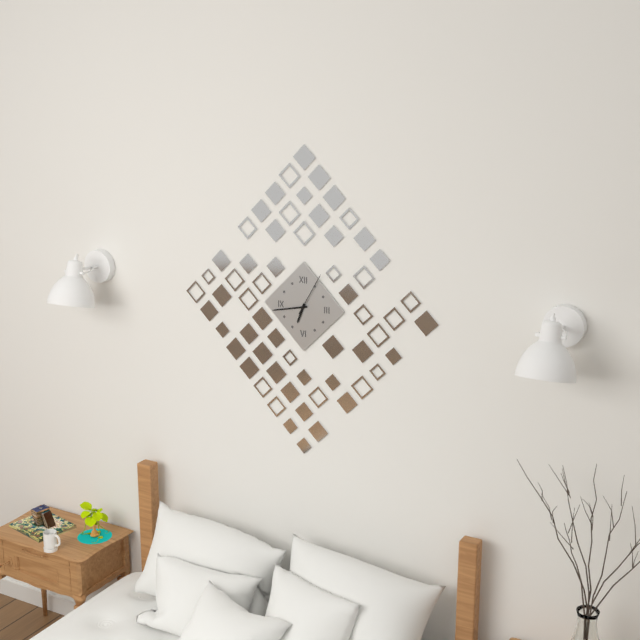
6:43
